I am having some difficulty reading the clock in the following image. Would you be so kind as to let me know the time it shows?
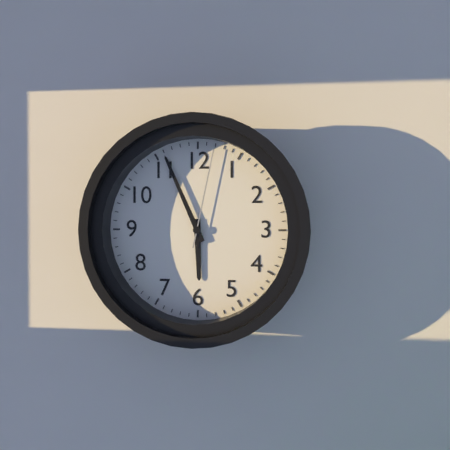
5:56:02
